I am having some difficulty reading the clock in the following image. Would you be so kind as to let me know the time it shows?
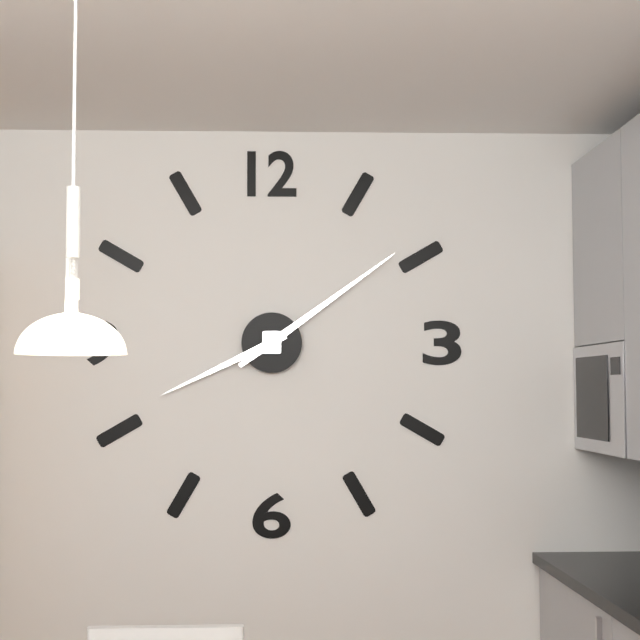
8:09
